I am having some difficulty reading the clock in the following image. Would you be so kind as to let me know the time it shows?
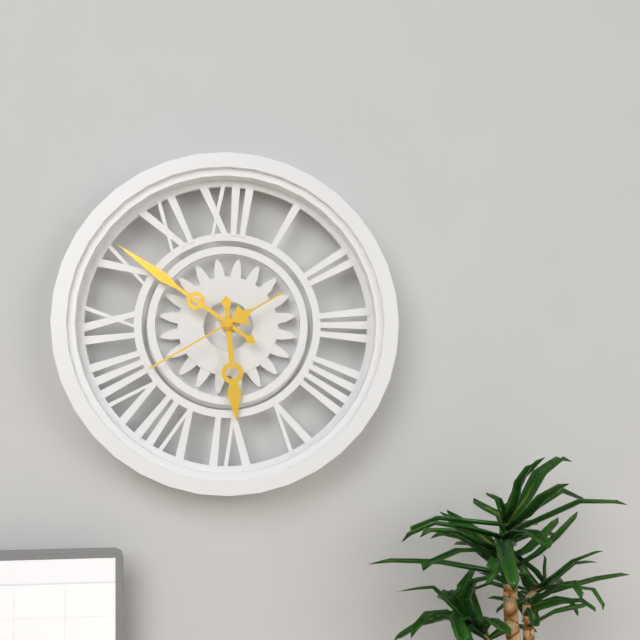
5:51:40
